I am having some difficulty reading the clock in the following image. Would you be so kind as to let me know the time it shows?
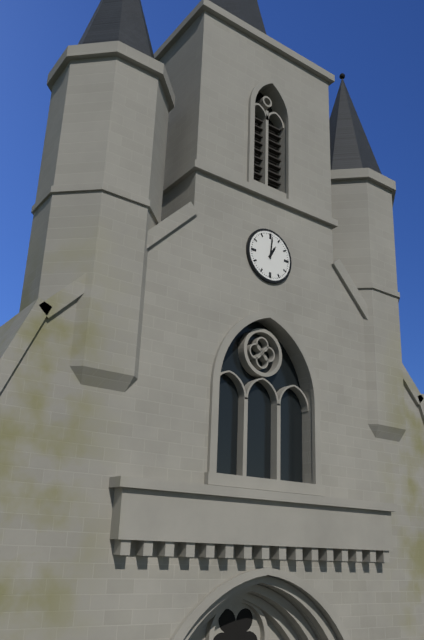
1:01
